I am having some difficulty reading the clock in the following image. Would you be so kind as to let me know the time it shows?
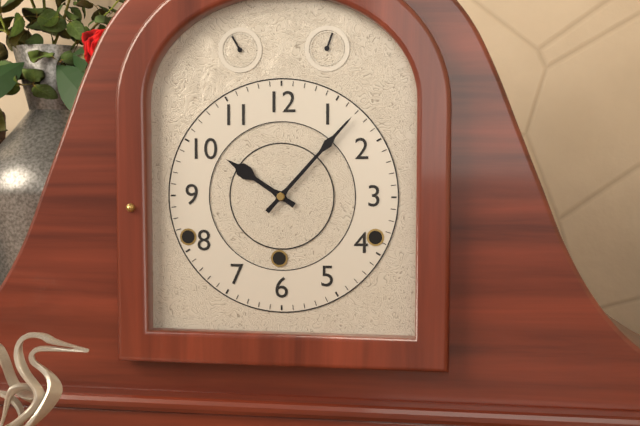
10:07
